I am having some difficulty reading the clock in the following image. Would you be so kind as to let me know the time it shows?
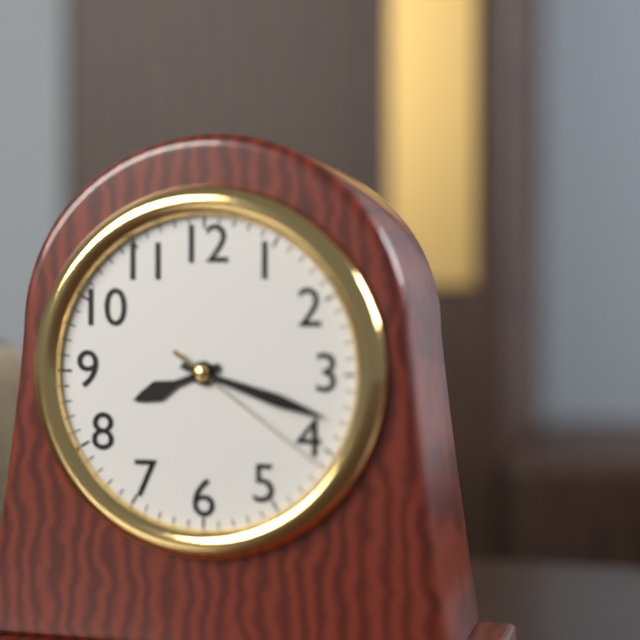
8:18:21
